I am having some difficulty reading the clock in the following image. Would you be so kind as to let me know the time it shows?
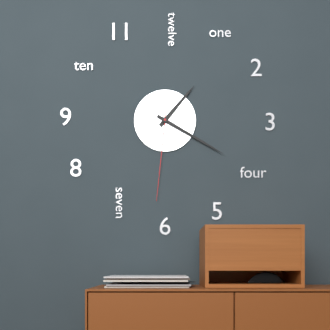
1:20:31
